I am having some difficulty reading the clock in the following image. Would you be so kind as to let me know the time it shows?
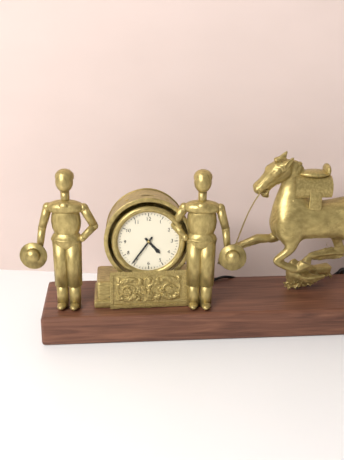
4:36
